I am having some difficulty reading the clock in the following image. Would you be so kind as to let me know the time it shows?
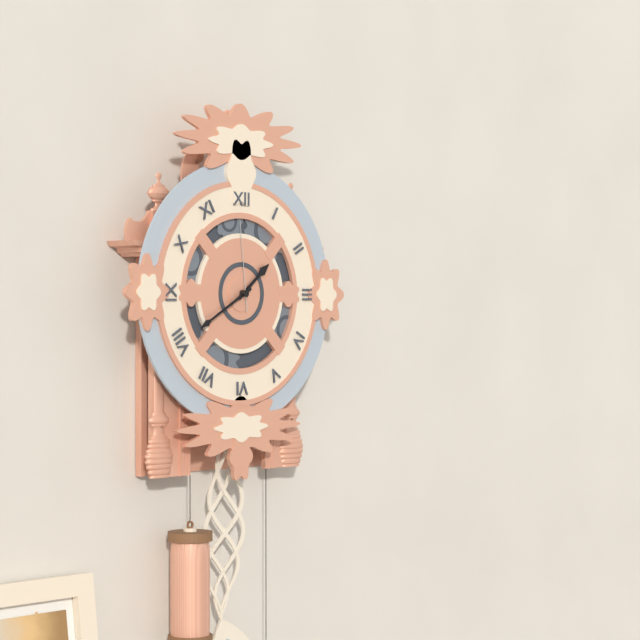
1:40:59
